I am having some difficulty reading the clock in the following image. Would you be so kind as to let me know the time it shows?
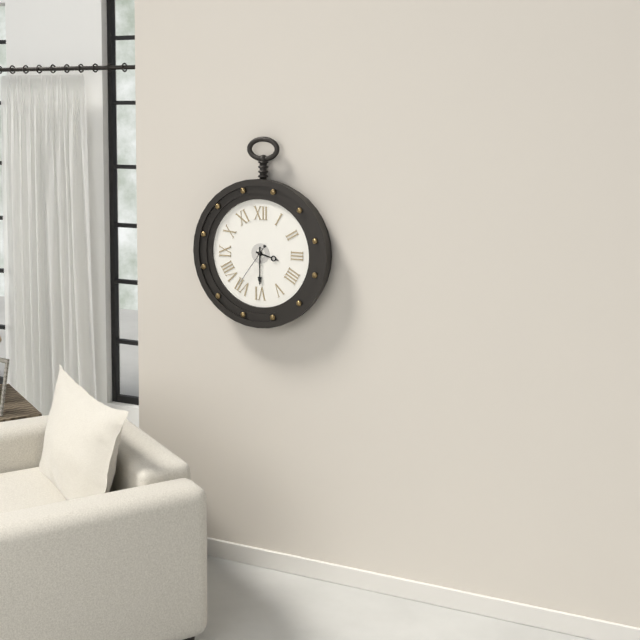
3:30
